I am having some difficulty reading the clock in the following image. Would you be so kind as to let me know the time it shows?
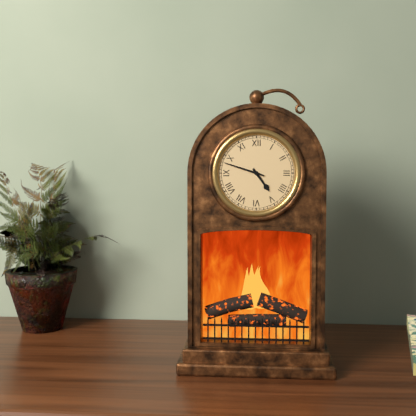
4:48
